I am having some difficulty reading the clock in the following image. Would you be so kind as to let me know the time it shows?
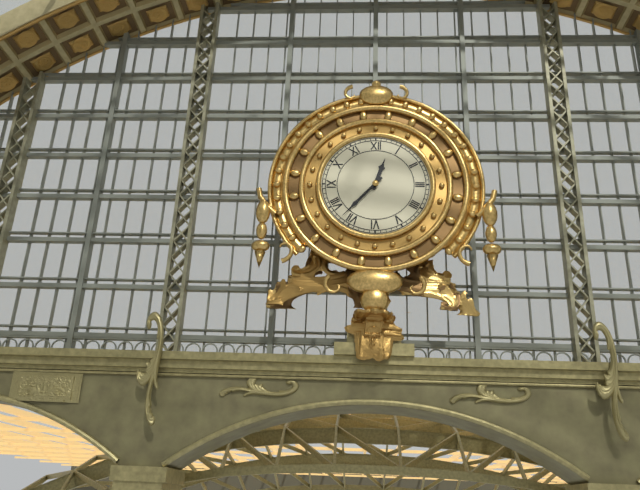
12:37
